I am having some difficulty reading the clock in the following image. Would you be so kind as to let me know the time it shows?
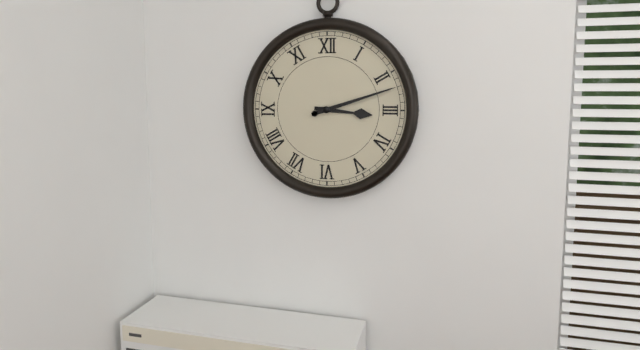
3:12
